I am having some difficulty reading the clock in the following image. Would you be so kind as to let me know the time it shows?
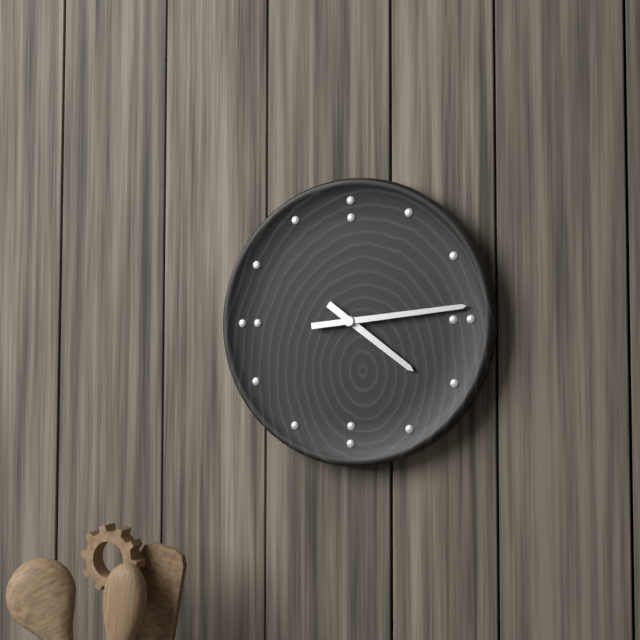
4:14
